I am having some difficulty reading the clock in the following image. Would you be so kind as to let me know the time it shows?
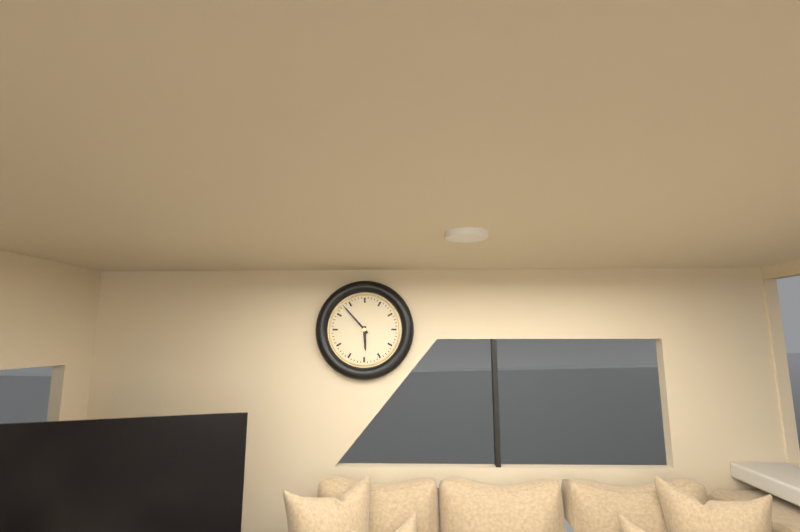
5:53
